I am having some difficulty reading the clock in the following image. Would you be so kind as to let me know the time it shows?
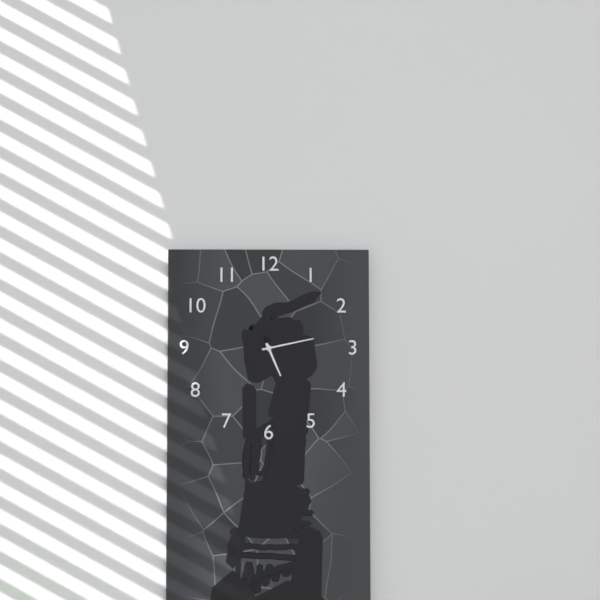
5:13
